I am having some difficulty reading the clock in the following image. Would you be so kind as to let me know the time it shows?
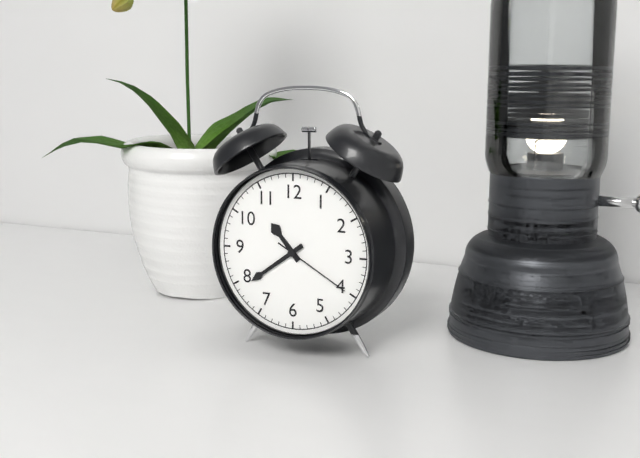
10:39:20
